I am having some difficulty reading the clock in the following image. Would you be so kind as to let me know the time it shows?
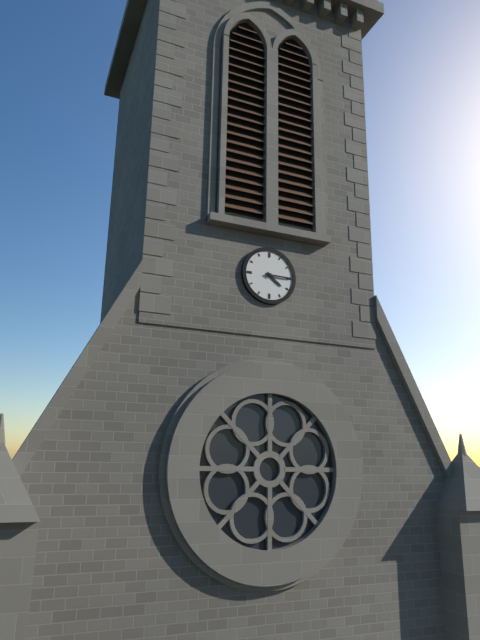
4:15
